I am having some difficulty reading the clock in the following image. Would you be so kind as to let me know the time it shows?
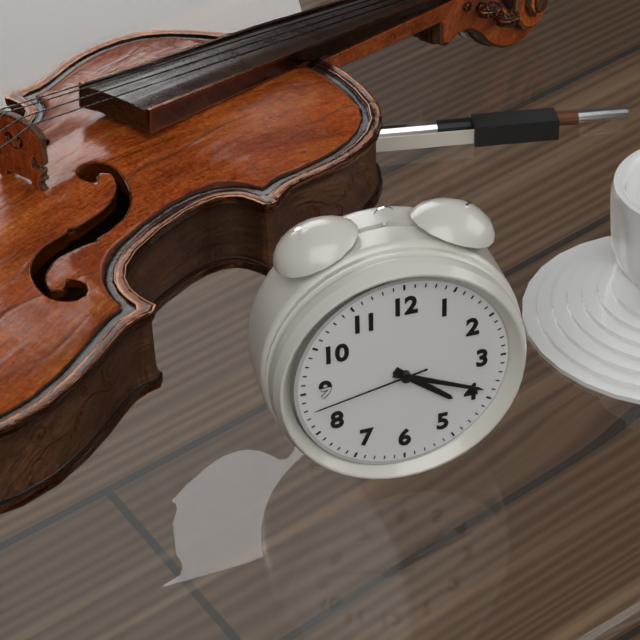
4:19:43
